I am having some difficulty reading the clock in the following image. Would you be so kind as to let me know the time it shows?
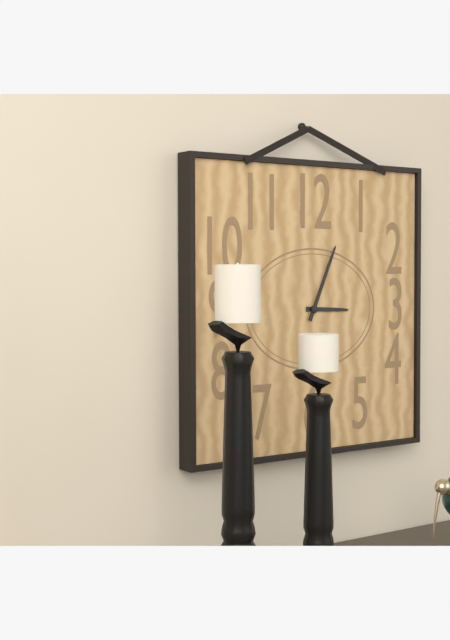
3:04
